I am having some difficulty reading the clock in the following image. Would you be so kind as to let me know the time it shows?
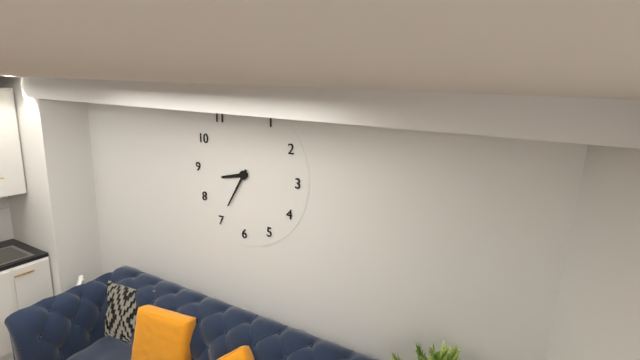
8:35
